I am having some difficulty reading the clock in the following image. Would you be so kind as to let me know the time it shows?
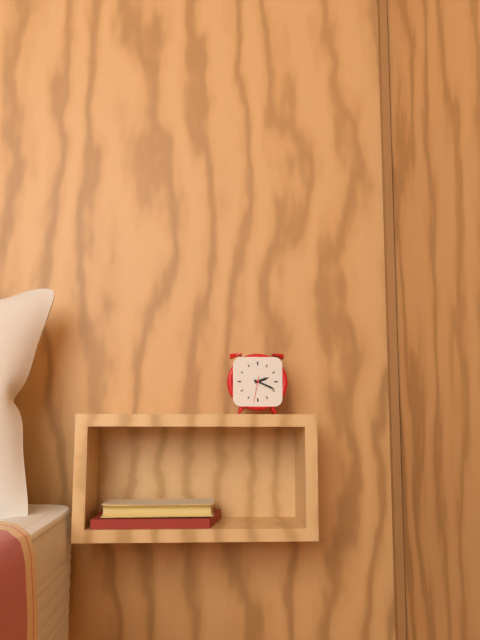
2:19
